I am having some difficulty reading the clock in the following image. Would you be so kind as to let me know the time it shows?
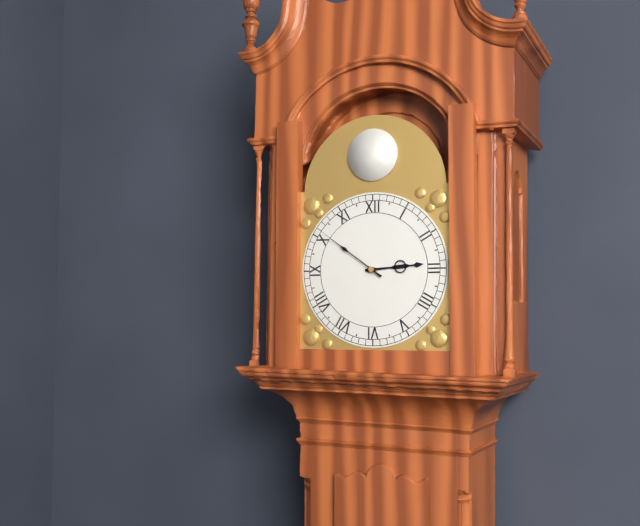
2:51
